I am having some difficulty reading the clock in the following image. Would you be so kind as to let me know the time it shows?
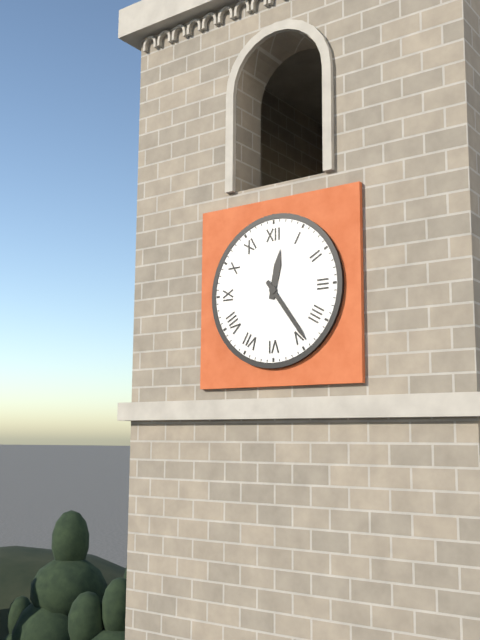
12:24
